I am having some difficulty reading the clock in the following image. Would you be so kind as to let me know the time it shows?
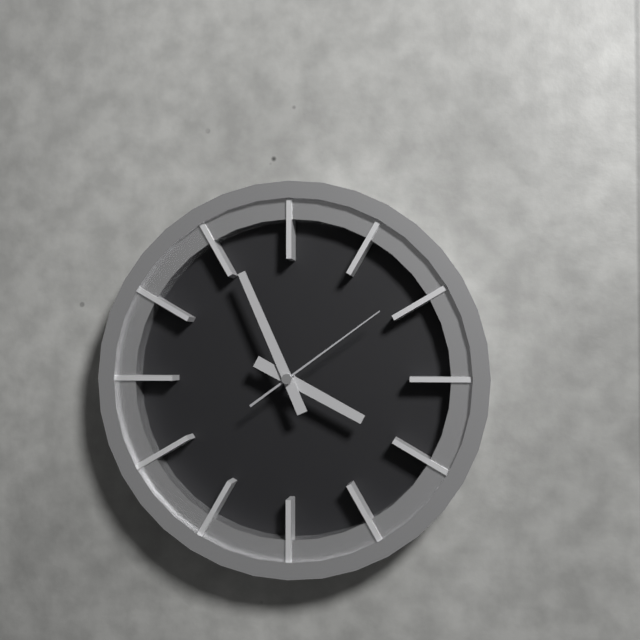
3:56:09
